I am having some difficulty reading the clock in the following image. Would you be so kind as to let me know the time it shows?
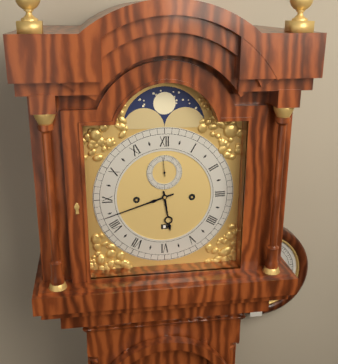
5:42
